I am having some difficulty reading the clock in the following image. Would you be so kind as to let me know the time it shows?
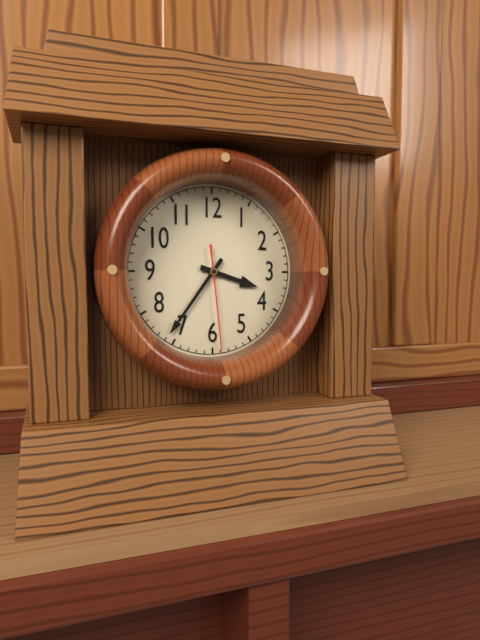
3:36:29
